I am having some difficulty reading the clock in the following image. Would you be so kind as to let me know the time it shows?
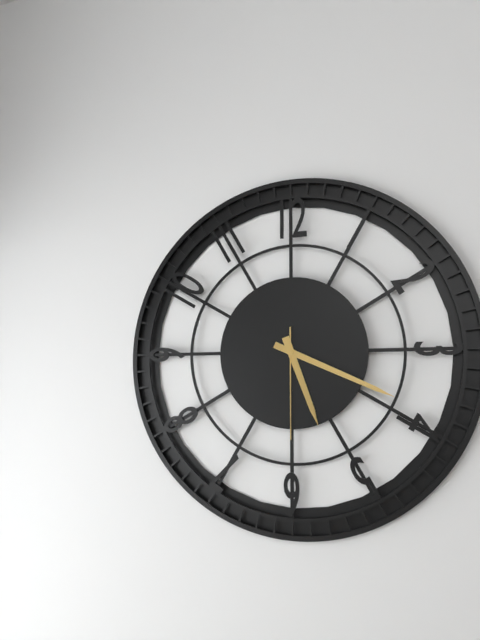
5:19:30
